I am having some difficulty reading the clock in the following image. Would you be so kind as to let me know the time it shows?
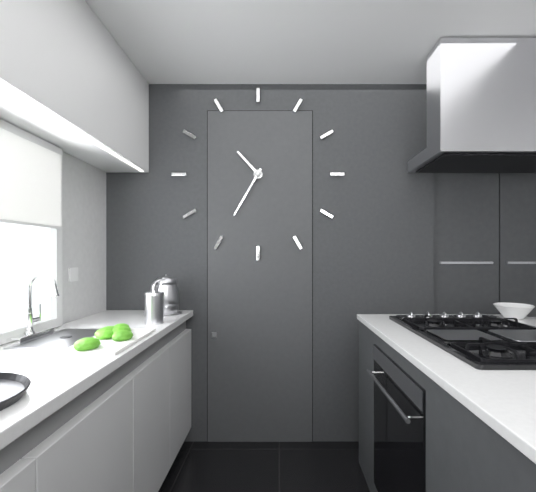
10:35
